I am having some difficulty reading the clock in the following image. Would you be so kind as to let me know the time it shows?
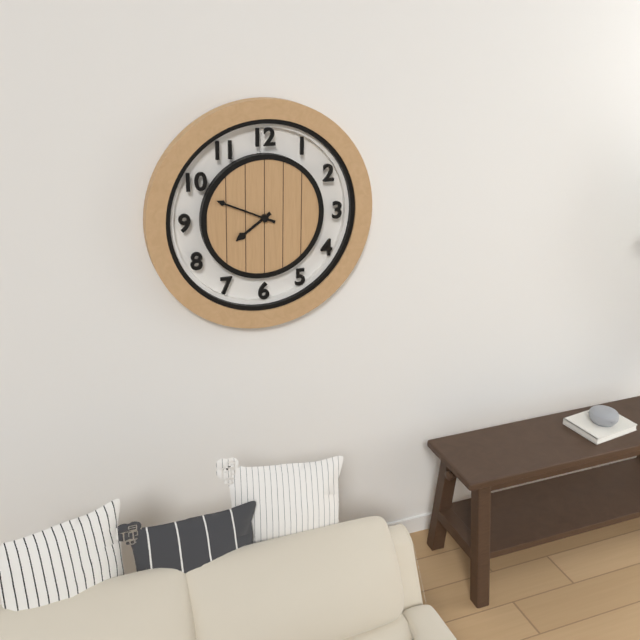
7:49
